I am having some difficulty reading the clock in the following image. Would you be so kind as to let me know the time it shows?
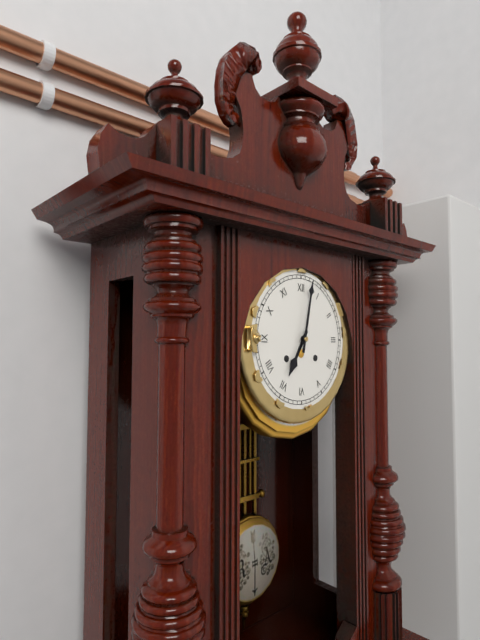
7:02
